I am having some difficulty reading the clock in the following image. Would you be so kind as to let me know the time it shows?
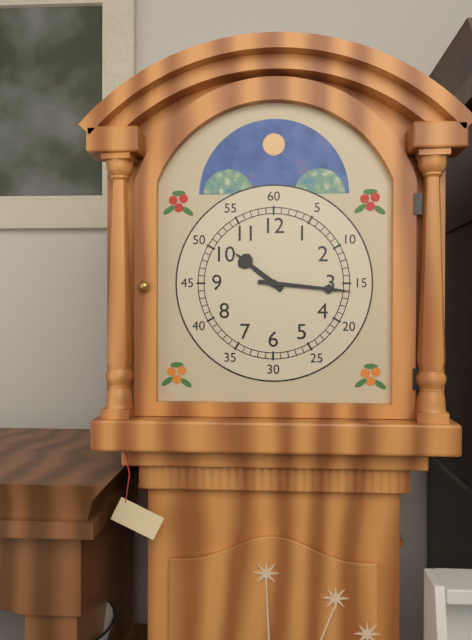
10:16
